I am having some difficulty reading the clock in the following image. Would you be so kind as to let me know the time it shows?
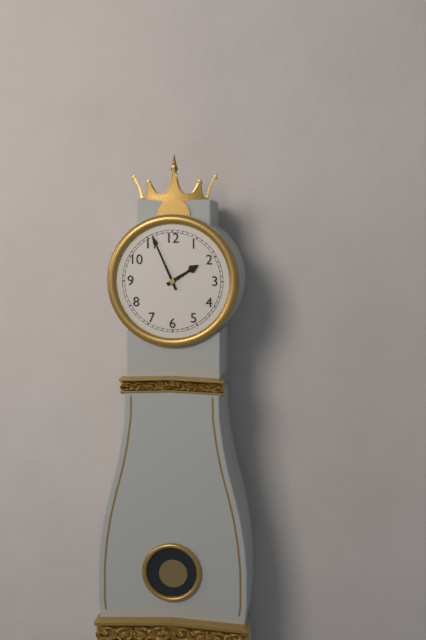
1:56
